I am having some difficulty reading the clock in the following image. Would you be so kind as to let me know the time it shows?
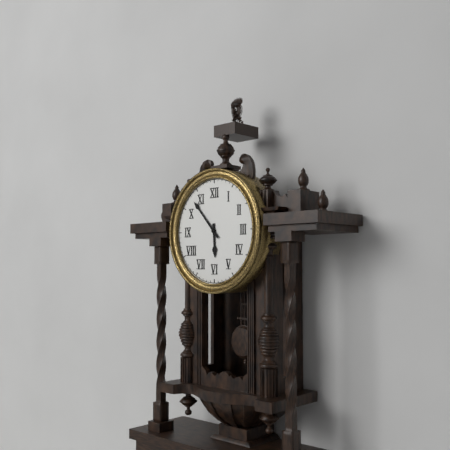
5:53
